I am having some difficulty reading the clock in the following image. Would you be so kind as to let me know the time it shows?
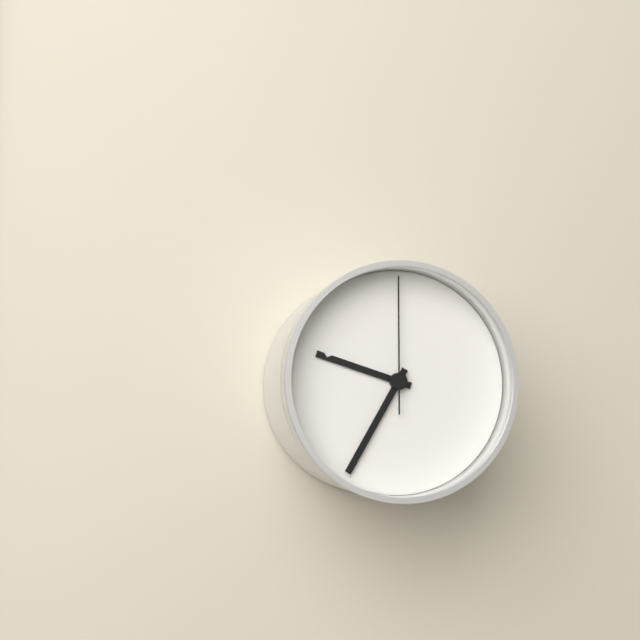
9:35:00
